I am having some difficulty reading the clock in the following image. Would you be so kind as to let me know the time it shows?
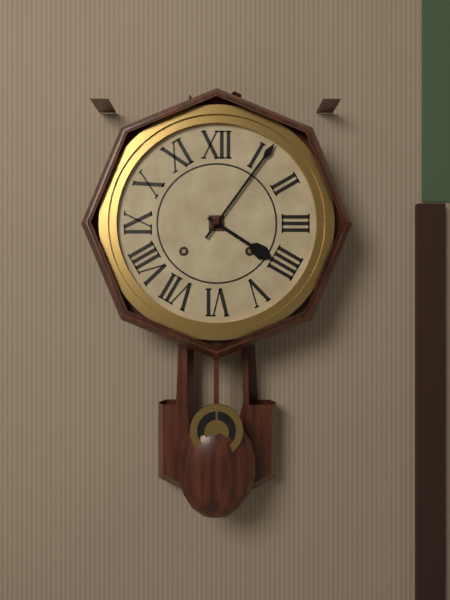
4:06
